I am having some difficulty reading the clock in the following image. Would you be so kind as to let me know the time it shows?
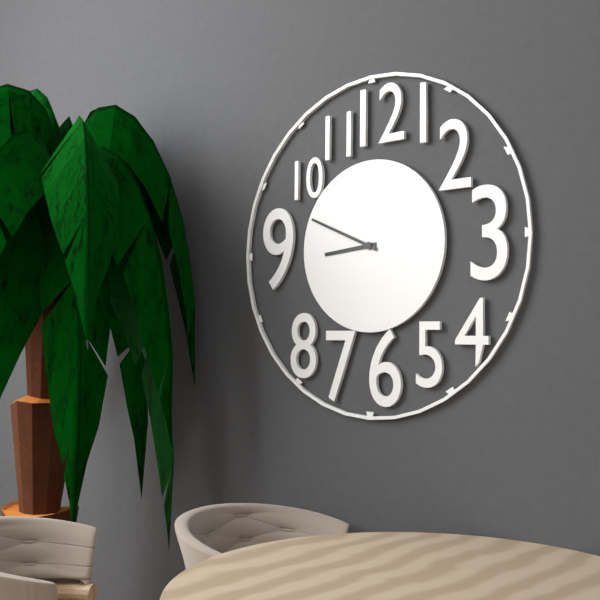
8:49
